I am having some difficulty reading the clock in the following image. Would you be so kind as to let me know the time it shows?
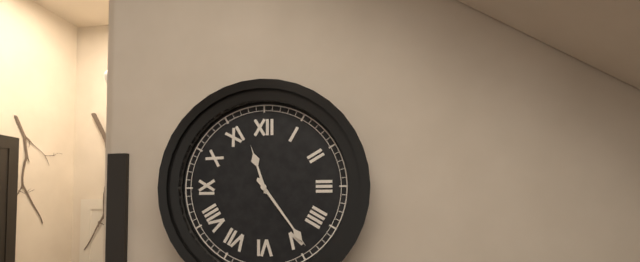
11:24
